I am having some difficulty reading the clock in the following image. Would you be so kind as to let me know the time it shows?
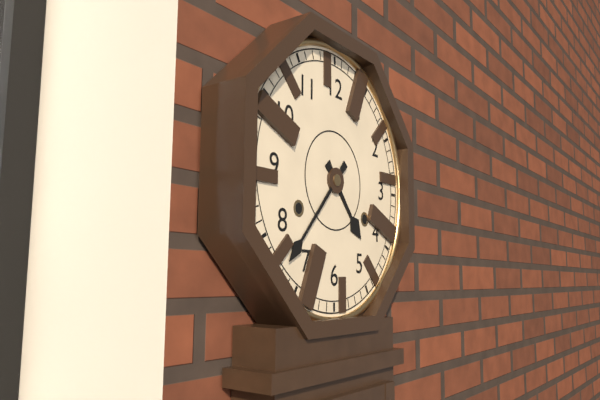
4:37
